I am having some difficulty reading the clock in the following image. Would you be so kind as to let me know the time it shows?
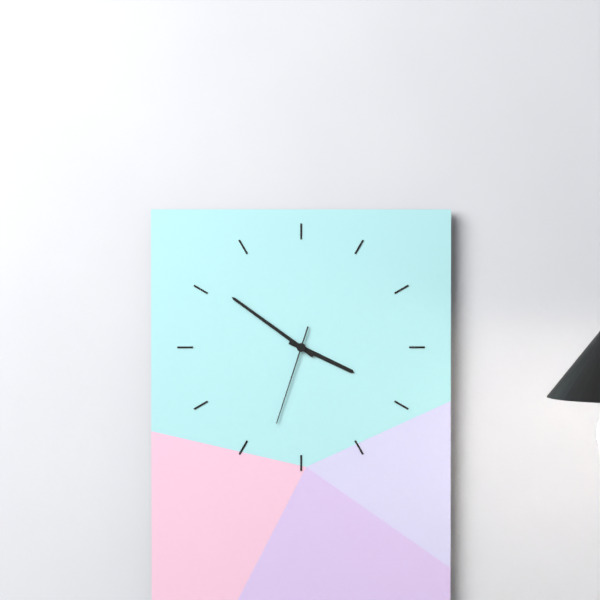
3:51:33
